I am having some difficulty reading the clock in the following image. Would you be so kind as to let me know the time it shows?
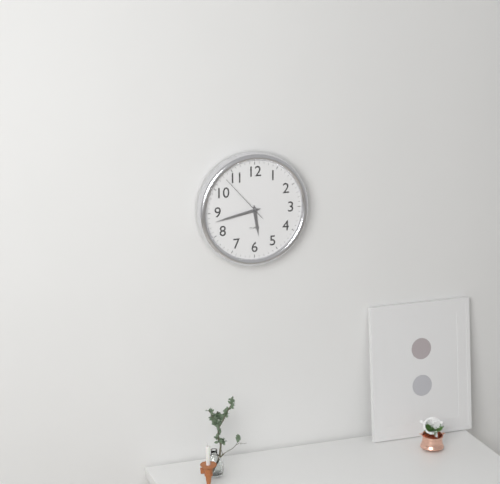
5:43:53
